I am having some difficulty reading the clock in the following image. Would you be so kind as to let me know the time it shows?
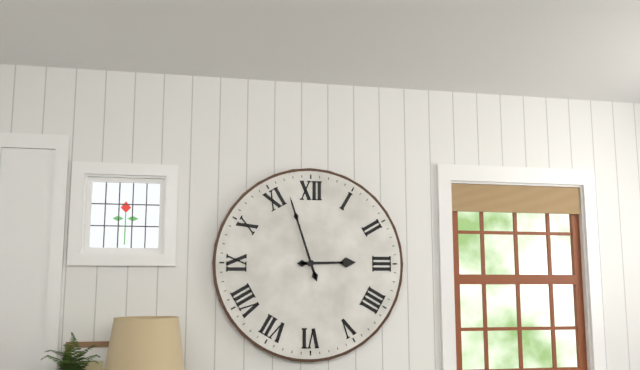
2:57
